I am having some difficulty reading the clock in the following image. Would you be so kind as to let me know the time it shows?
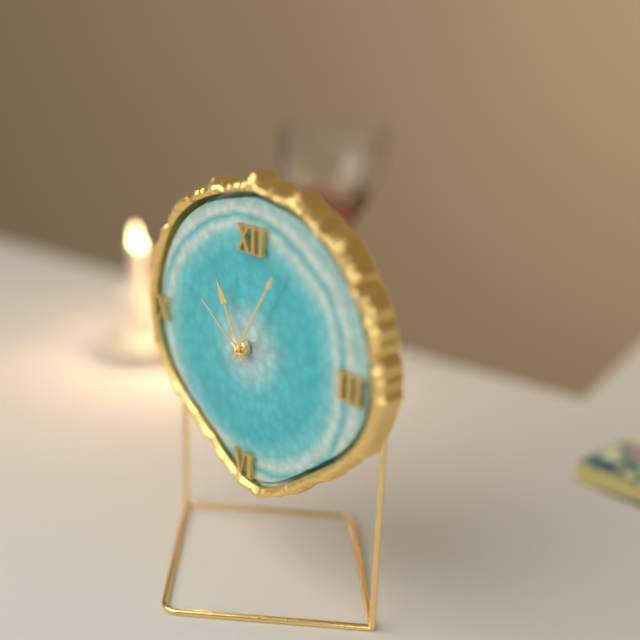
11:05:51
